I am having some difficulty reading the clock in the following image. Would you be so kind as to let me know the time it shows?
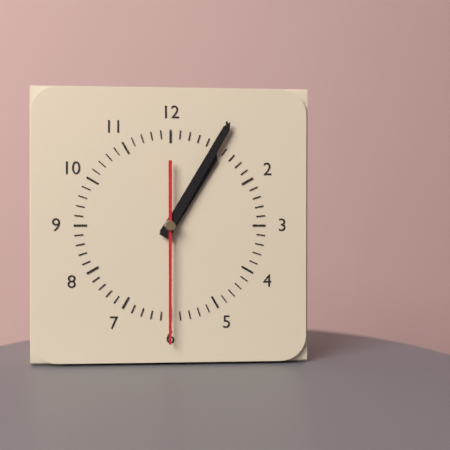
1:05:30
